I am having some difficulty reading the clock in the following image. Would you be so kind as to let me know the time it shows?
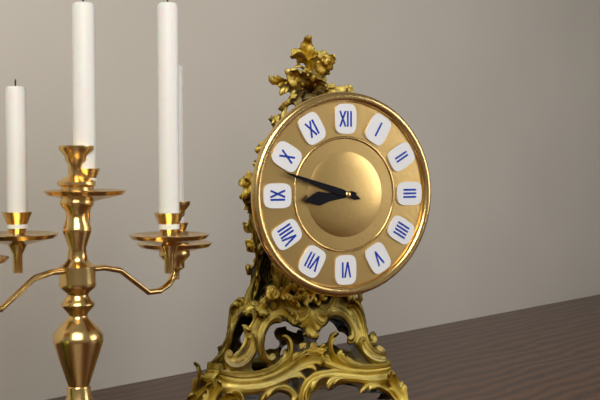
8:48
